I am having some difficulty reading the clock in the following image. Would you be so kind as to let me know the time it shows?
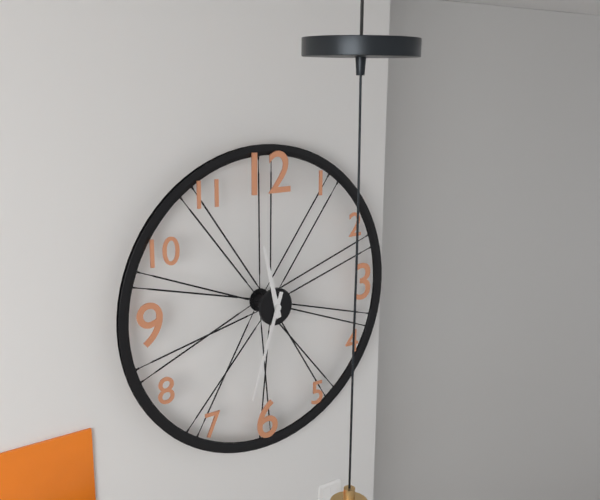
11:33
